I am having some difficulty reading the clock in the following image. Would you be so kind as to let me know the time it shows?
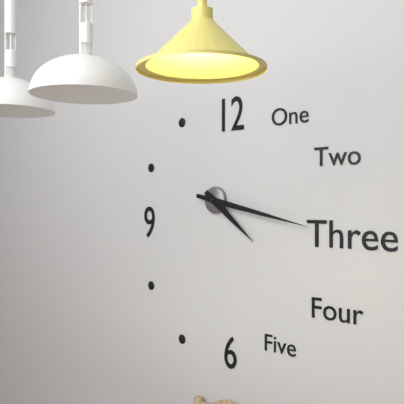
4:17
